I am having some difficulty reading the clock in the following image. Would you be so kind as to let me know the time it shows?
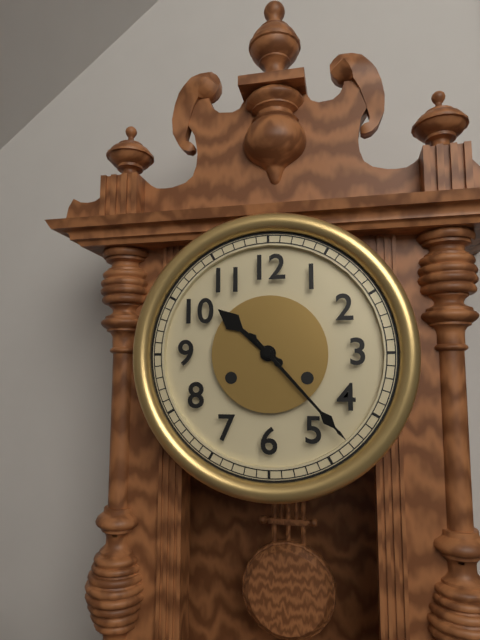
10:23
